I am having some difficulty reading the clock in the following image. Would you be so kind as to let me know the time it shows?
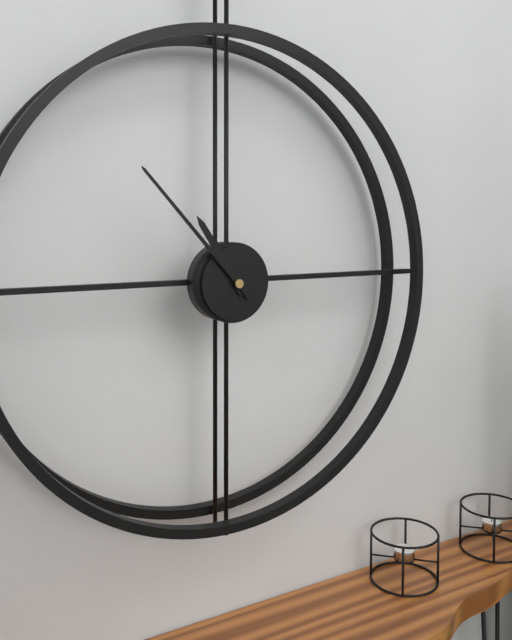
10:53
